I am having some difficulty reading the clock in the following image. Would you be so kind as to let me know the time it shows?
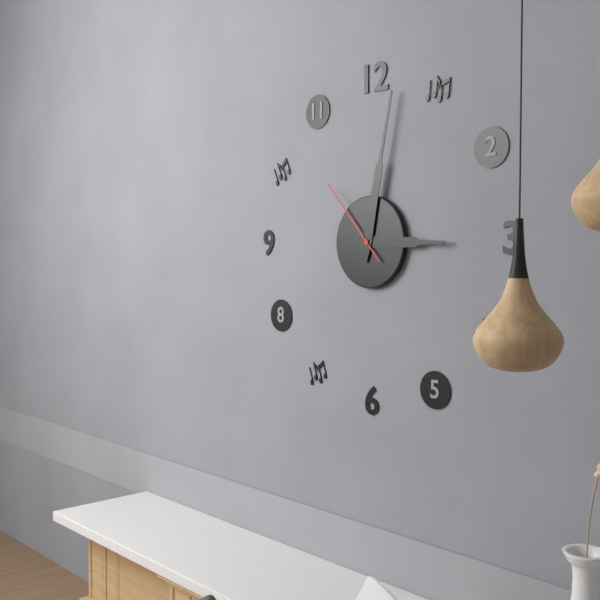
3:02:53
